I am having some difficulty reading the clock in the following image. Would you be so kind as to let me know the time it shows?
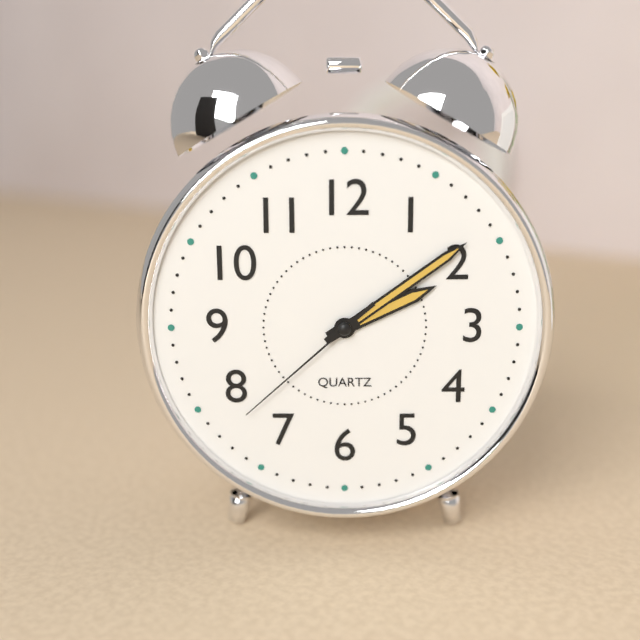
2:09:38
